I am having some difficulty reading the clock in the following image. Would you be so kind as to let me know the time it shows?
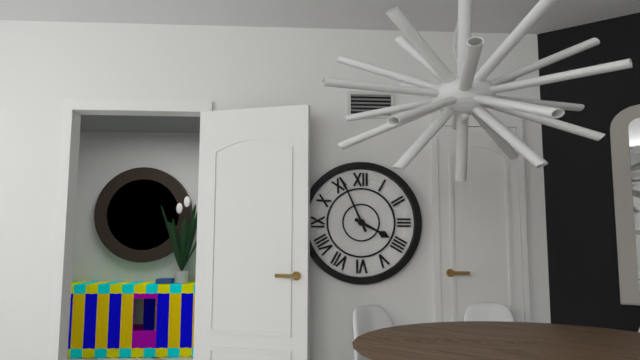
3:56
